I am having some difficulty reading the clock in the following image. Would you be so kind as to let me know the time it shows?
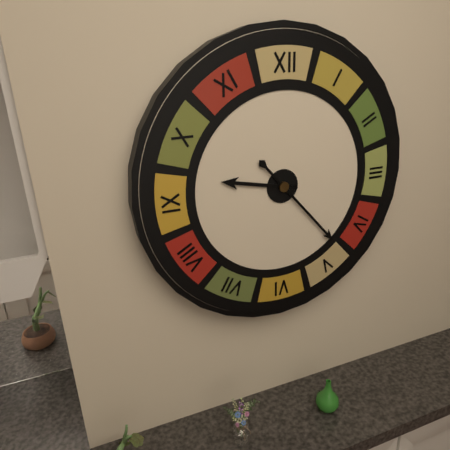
9:23
